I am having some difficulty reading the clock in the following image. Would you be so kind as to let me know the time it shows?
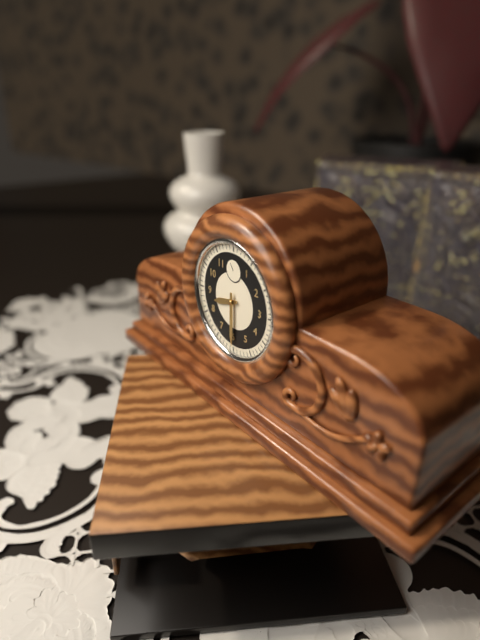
8:30
